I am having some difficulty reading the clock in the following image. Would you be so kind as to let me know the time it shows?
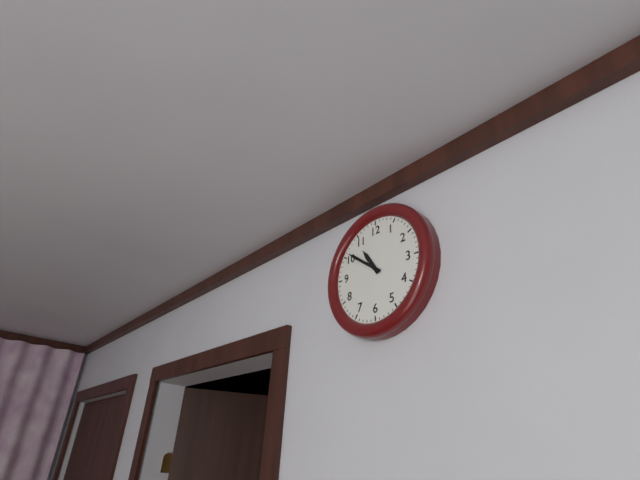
10:51
